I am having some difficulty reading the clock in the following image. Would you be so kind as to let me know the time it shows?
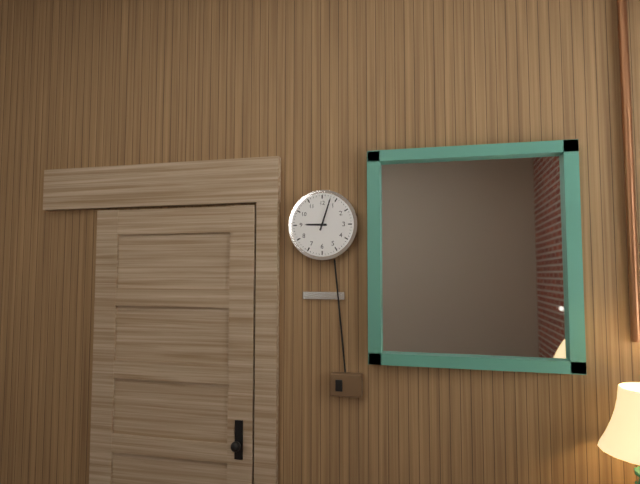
9:03
